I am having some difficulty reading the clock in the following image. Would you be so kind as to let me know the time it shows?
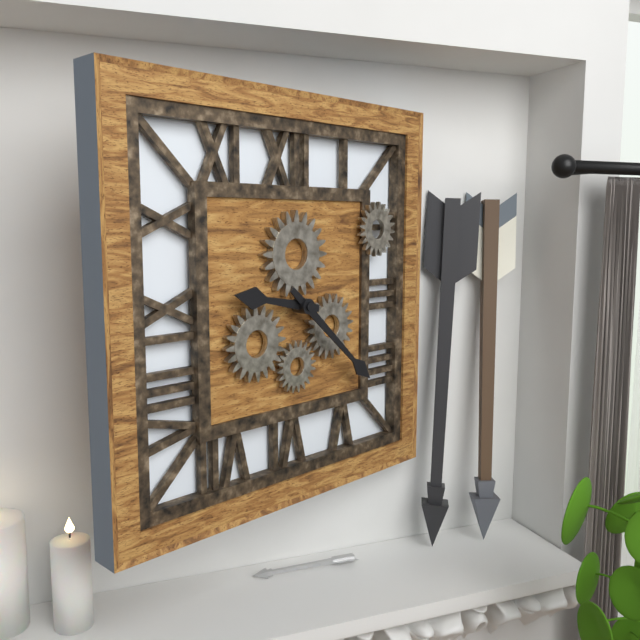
9:22
